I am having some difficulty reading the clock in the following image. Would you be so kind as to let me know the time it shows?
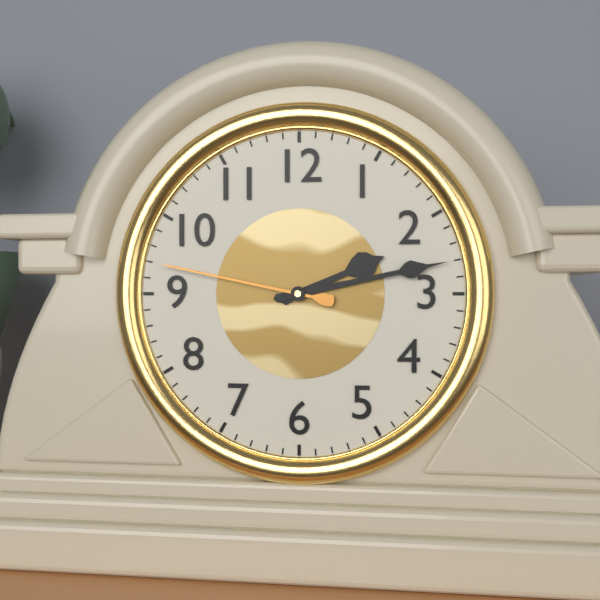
2:13:47
